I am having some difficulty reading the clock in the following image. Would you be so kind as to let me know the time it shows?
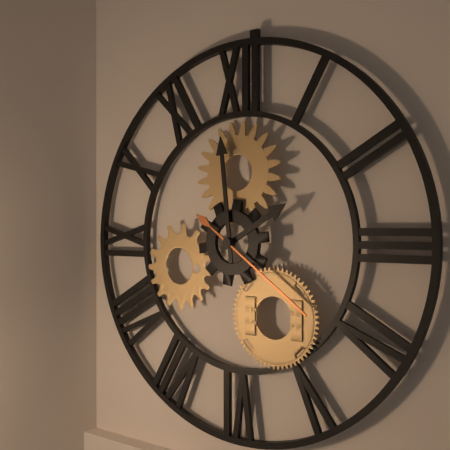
1:59:21
